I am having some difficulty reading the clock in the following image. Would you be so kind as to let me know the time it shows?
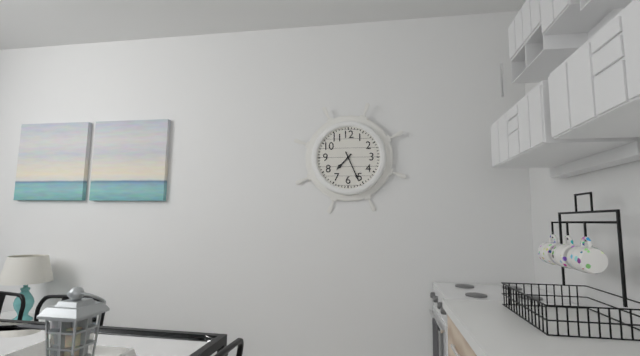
7:26
